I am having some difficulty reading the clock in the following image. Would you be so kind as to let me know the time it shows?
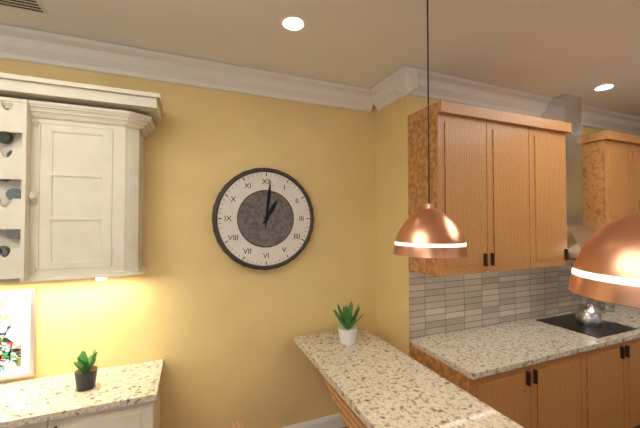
1:01
